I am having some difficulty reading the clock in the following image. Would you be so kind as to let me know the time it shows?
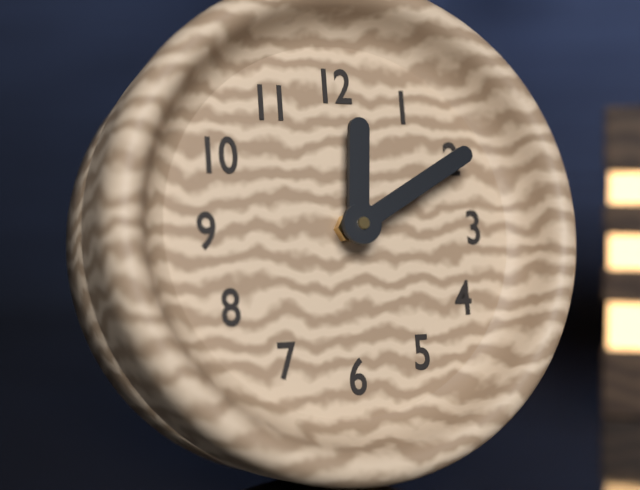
12:10
